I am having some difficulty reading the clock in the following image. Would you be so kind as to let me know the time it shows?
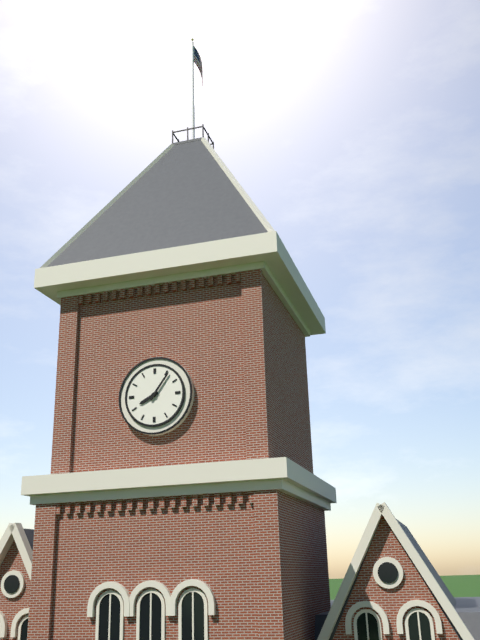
8:06
